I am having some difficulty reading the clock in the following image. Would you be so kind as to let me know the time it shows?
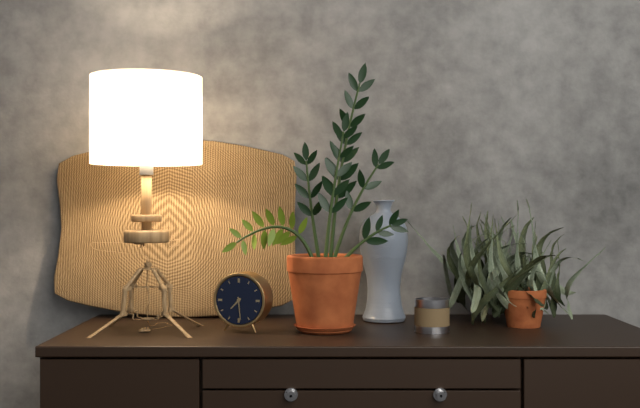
7:29
